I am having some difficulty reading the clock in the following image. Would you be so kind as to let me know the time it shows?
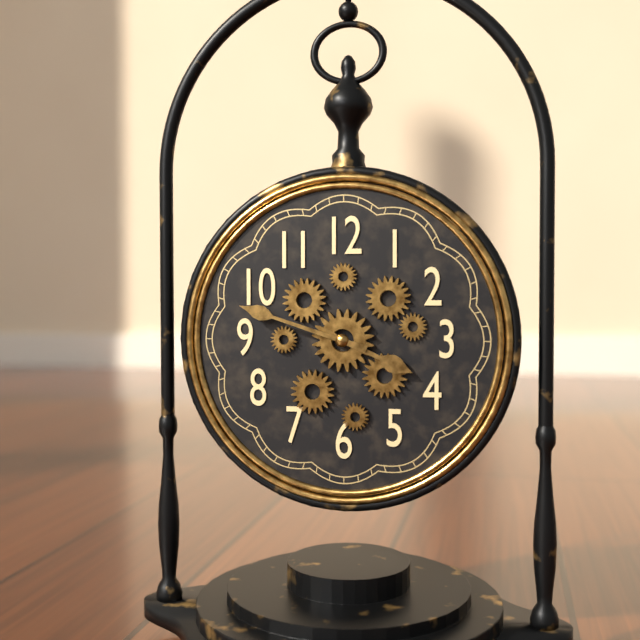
3:48
